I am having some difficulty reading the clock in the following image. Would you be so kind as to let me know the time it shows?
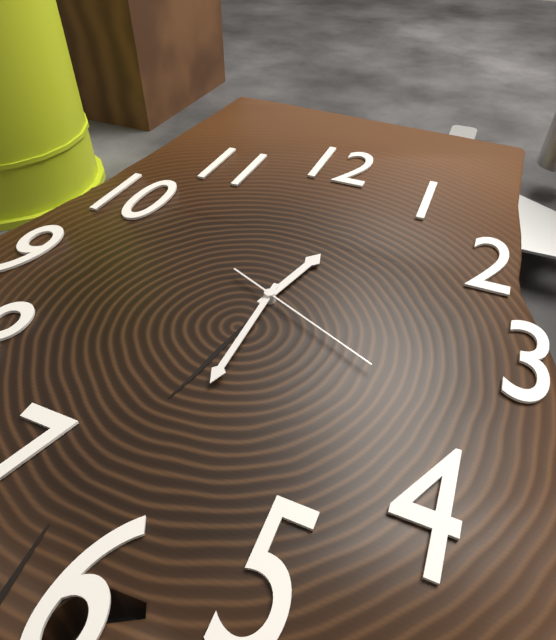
12:30:19
